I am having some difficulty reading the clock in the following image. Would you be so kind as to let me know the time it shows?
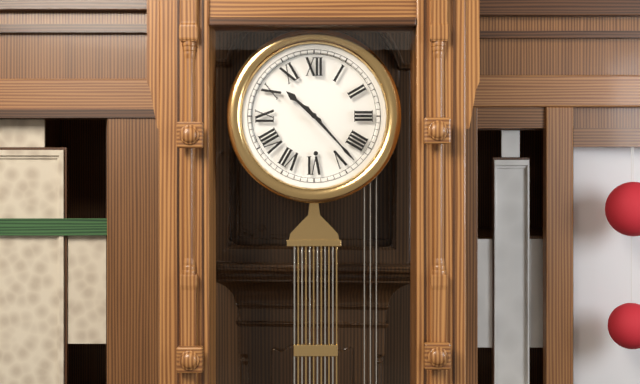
10:23
